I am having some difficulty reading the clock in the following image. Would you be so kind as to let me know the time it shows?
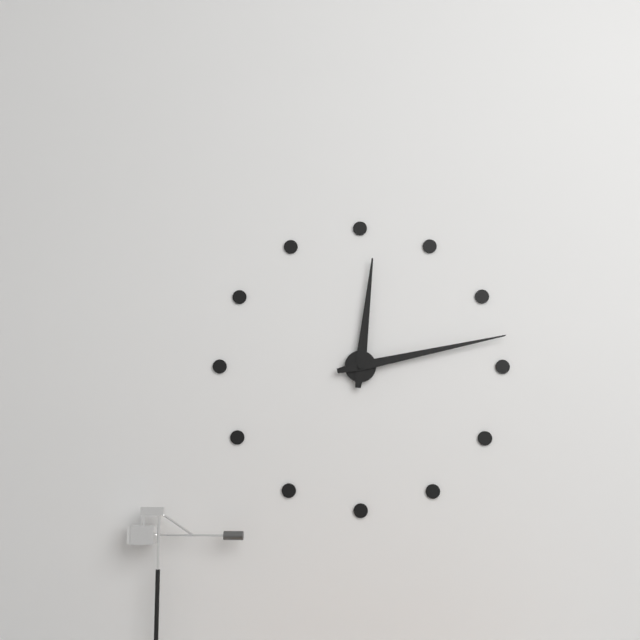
12:13
